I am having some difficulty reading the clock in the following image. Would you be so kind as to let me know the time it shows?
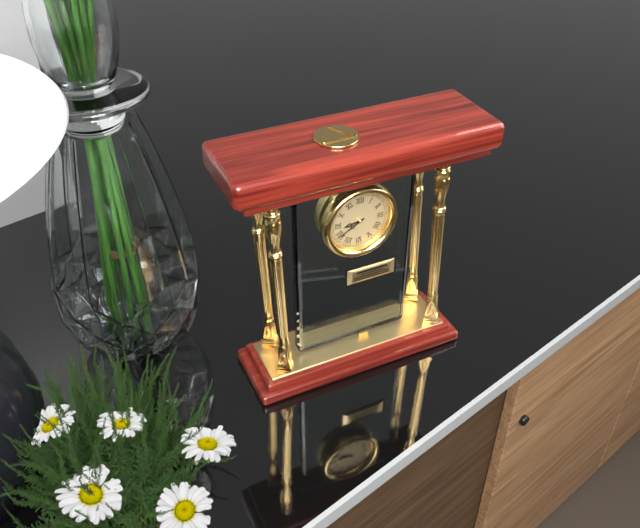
8:40
